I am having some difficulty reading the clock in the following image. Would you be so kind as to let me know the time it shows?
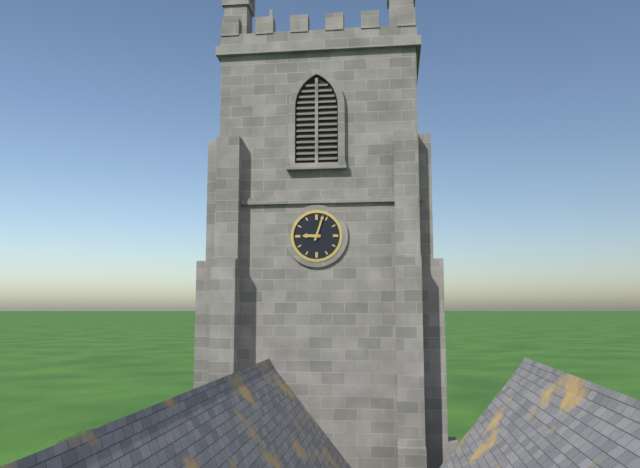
9:03
